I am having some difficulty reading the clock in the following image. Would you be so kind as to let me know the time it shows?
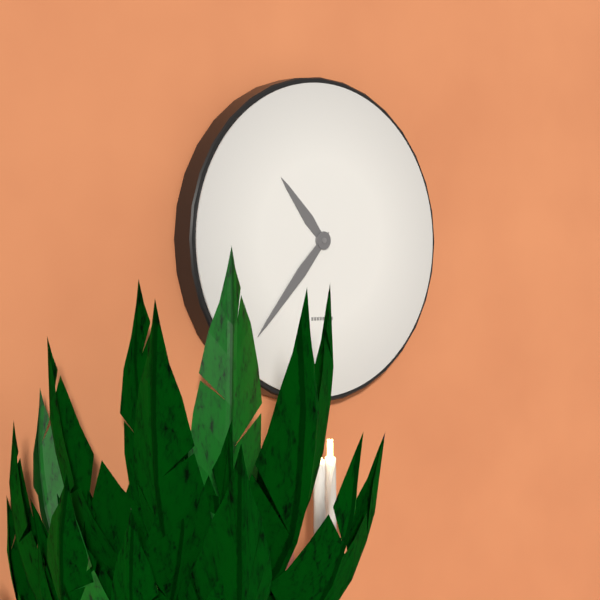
10:37
